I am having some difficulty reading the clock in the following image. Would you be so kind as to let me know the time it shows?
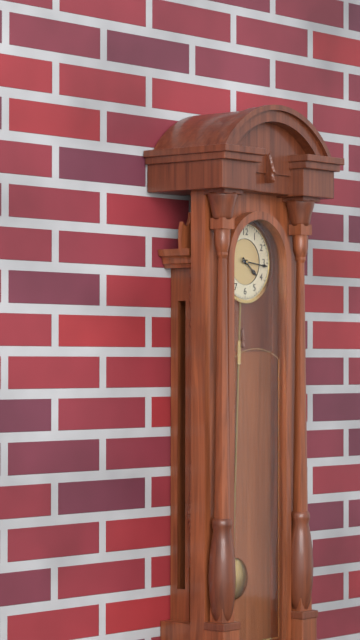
4:16
